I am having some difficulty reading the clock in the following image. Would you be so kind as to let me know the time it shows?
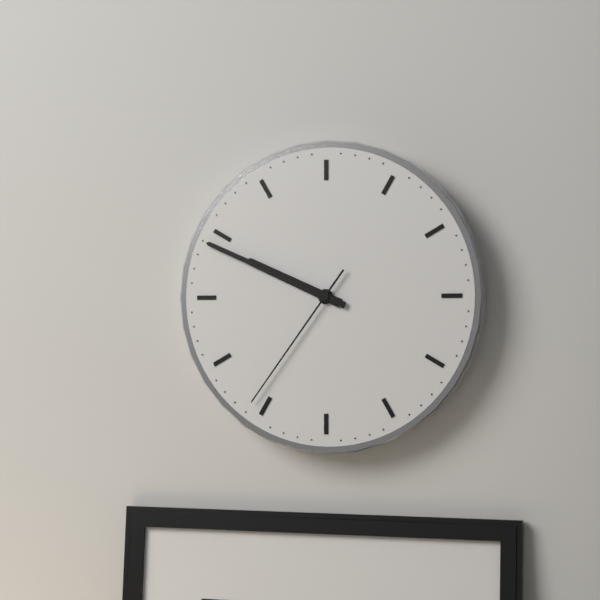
9:49:36
